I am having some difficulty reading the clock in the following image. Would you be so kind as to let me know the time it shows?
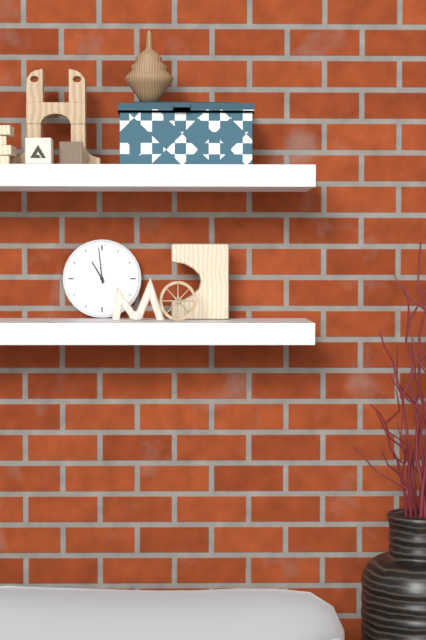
10:59
